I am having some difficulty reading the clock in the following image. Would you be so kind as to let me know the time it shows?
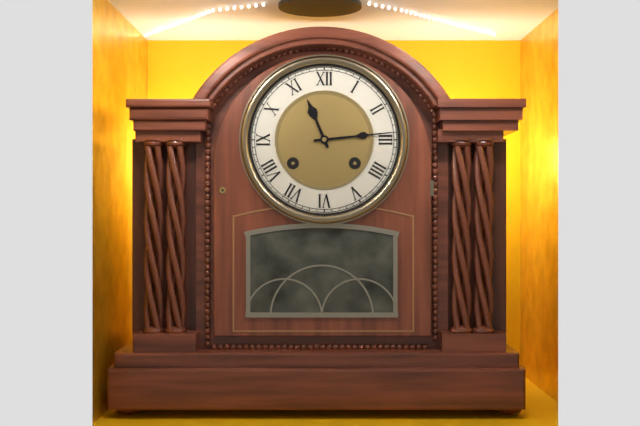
11:14
